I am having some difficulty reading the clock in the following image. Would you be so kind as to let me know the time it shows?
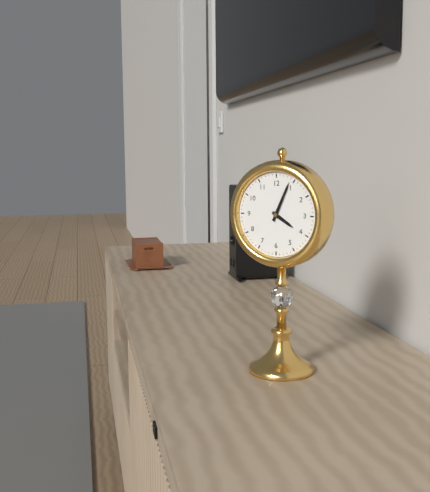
4:04
